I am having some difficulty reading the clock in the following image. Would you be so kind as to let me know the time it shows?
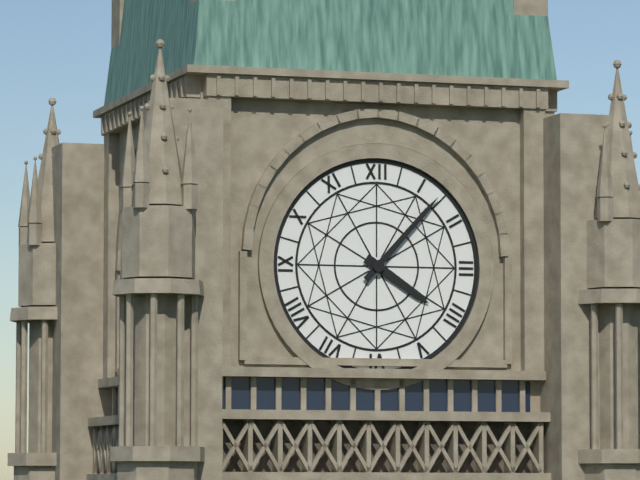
4:07
